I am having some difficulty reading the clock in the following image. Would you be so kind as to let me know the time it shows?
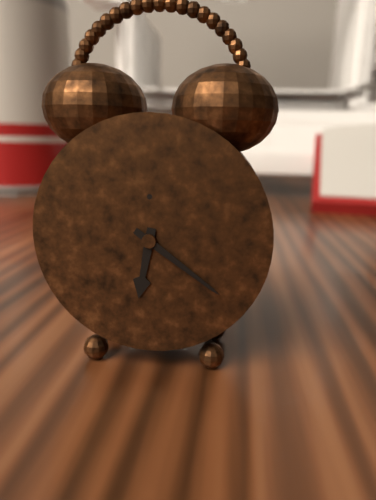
6:21
